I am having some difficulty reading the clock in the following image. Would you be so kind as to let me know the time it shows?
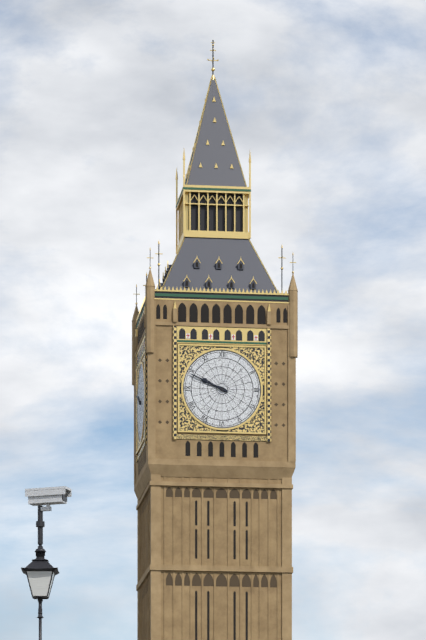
9:49
